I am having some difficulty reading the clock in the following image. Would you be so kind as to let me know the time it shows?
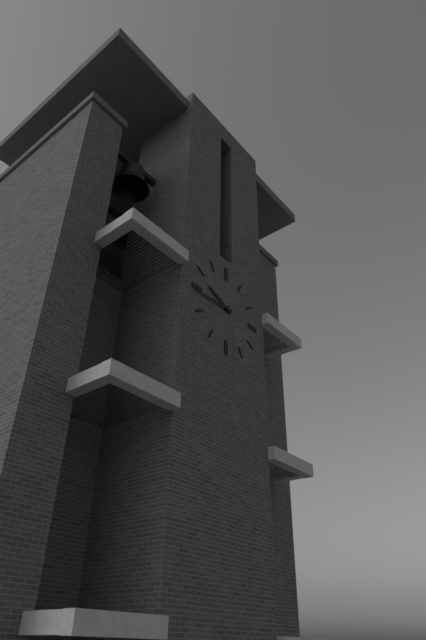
9:44
